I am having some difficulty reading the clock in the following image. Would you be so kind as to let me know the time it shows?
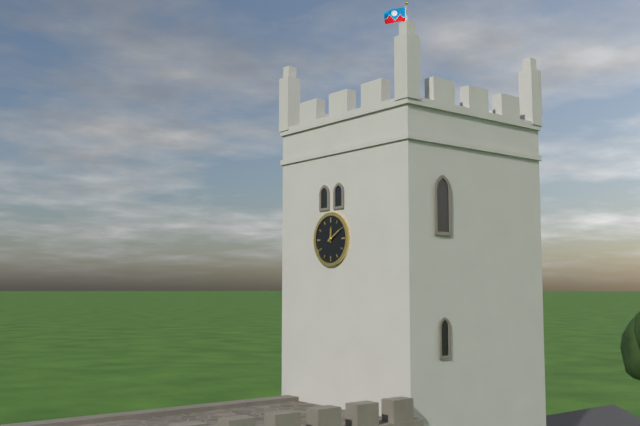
12:10
